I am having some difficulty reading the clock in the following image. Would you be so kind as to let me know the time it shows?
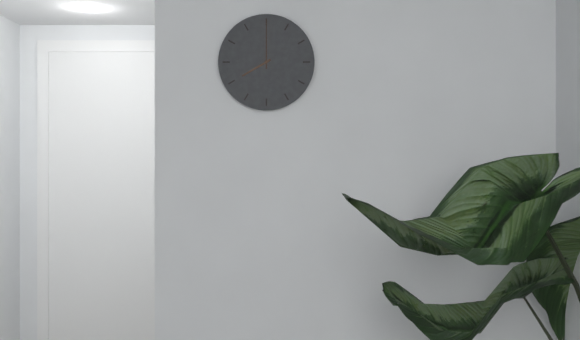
8:00
